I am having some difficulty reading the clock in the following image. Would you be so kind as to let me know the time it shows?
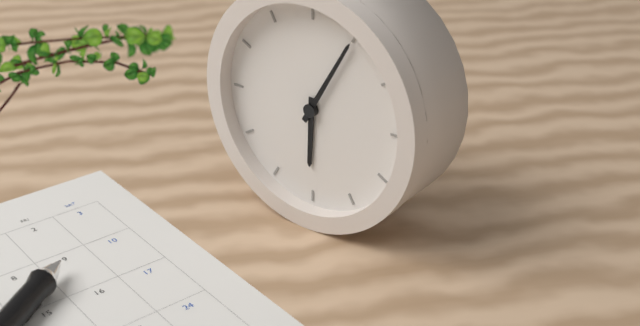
6:05
